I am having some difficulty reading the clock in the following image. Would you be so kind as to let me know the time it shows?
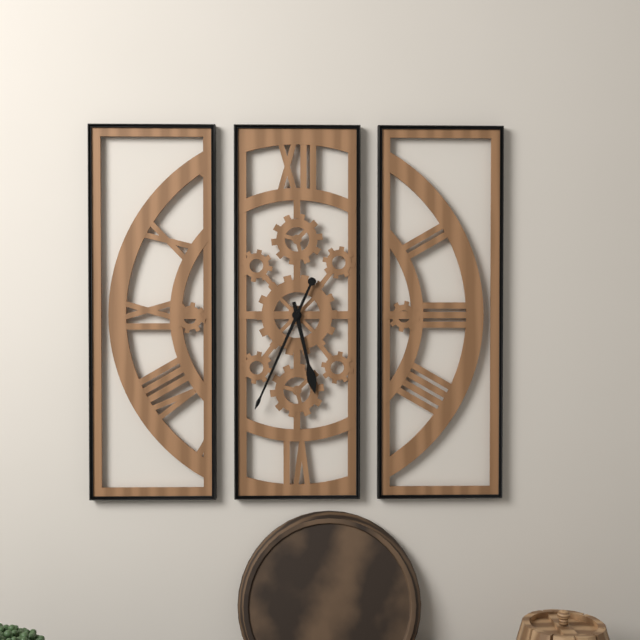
5:34
